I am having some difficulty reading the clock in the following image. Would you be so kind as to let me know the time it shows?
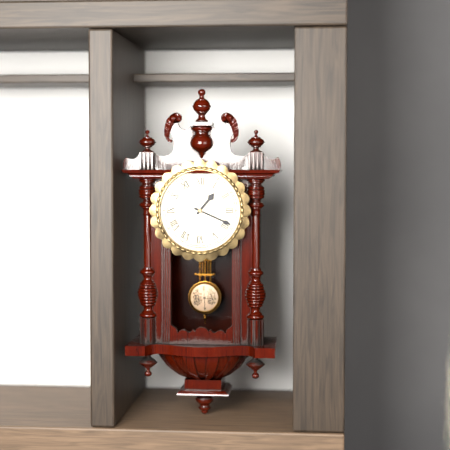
1:19
